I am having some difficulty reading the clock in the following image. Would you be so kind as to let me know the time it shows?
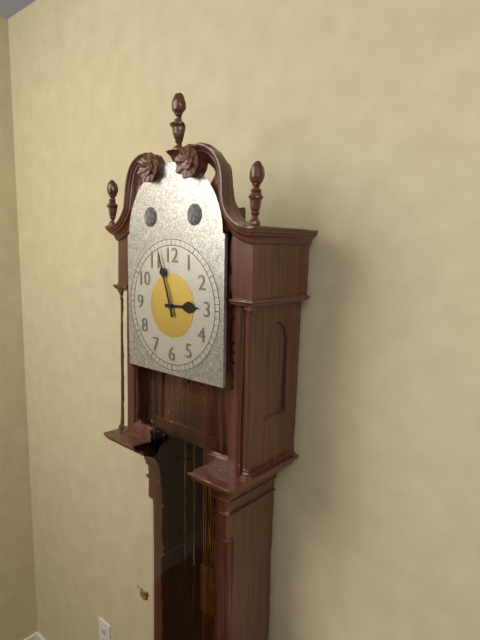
2:57
